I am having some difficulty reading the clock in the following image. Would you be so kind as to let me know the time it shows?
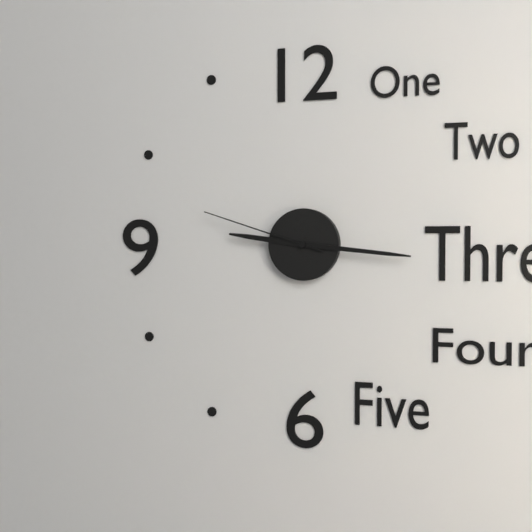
9:16:48
